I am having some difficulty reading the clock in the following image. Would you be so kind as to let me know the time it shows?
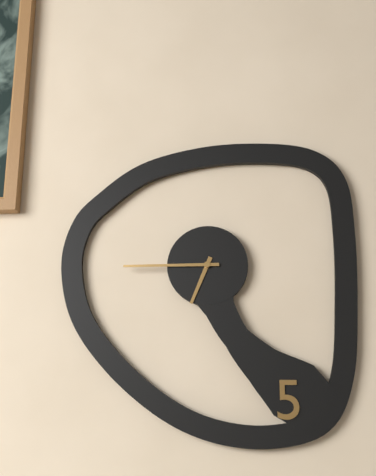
6:45
